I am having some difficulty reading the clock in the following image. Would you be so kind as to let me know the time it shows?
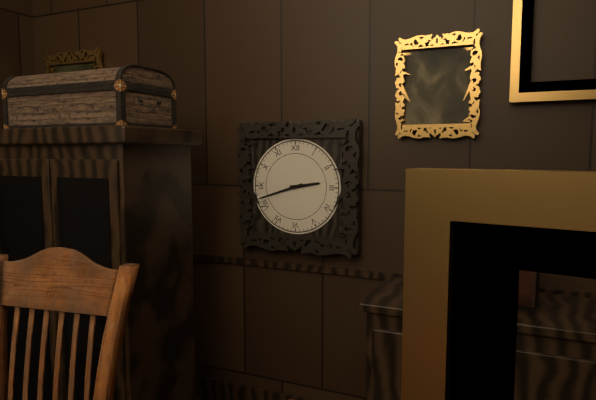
2:42
